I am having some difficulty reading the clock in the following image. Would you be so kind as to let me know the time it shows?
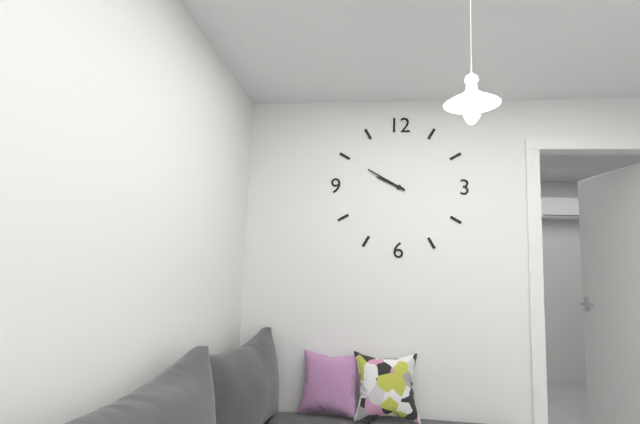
9:50
